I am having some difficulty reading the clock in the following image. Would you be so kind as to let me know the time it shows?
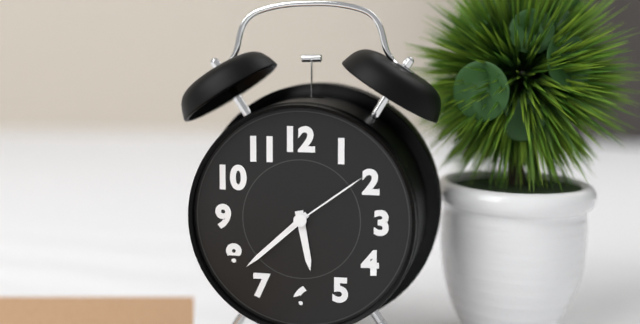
5:38:09
